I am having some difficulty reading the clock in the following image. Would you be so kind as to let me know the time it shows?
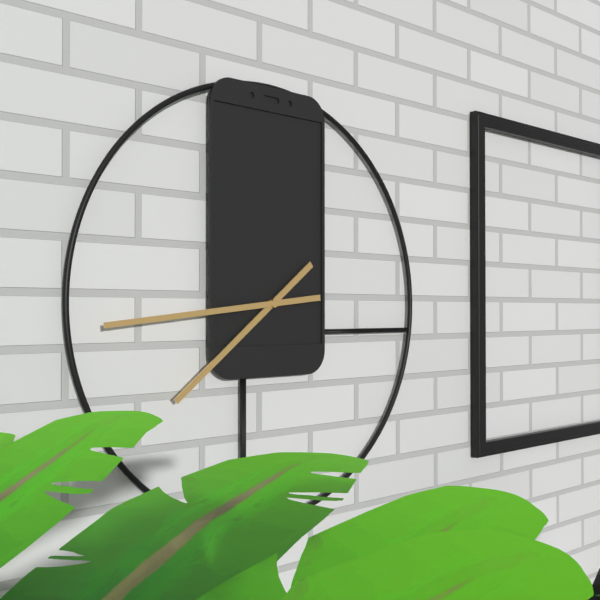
7:44
